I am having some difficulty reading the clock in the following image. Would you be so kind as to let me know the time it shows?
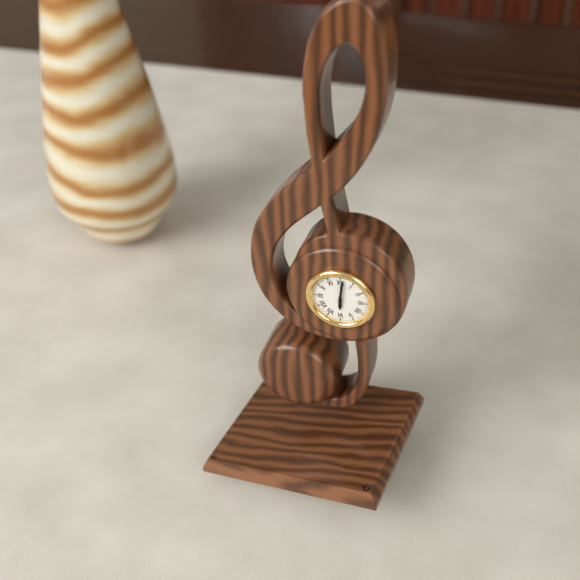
6:01
